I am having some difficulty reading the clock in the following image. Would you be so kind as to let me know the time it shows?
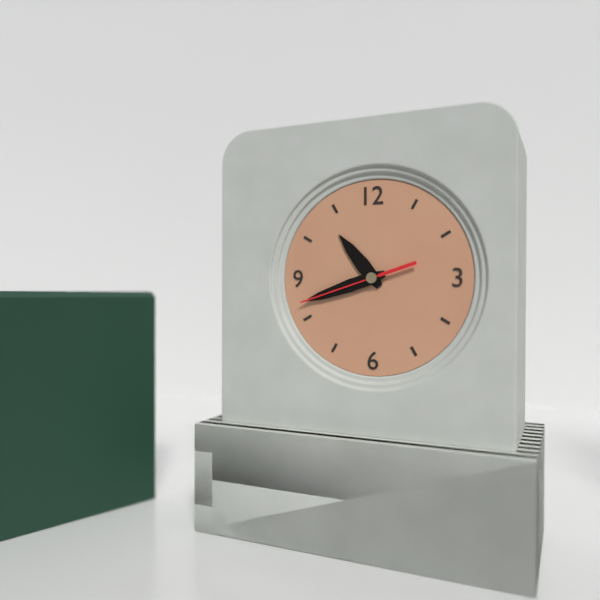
10:42:42
